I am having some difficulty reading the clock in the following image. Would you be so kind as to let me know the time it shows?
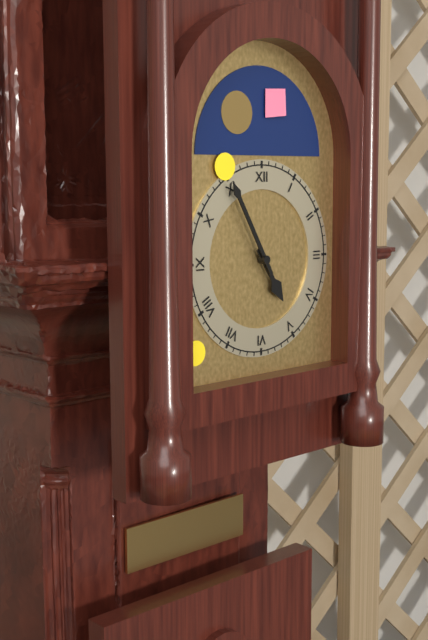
4:55
